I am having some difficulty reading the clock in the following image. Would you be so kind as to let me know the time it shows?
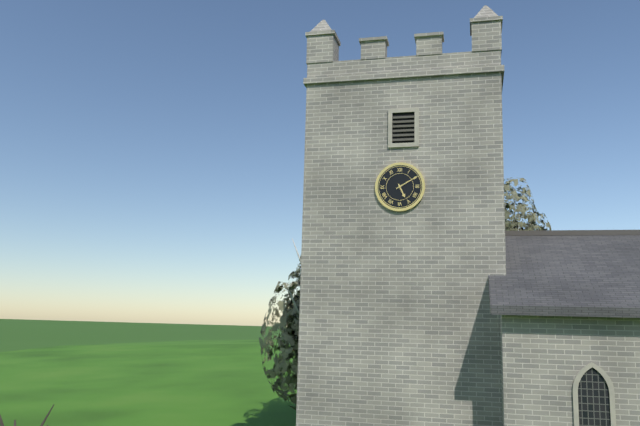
5:10
